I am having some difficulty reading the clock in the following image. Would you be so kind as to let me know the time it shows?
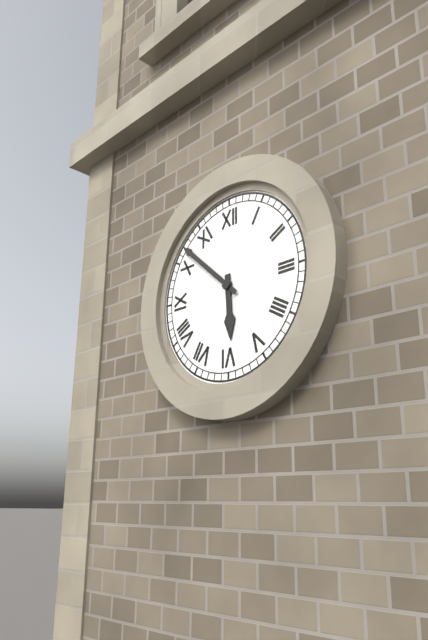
5:52
